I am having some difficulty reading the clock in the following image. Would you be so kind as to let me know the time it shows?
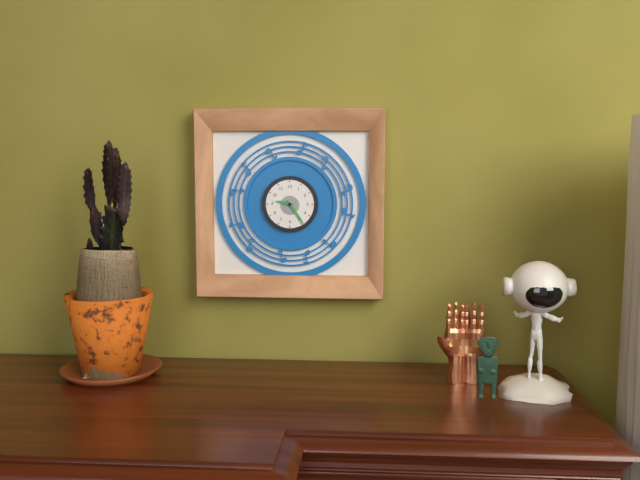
9:24
